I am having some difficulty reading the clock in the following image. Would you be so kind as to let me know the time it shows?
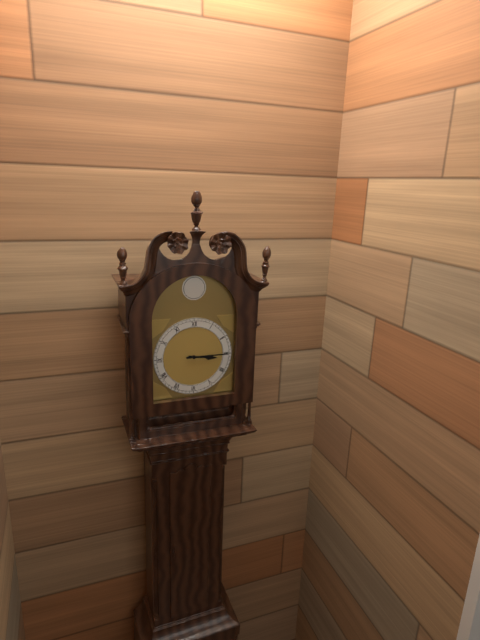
3:15
